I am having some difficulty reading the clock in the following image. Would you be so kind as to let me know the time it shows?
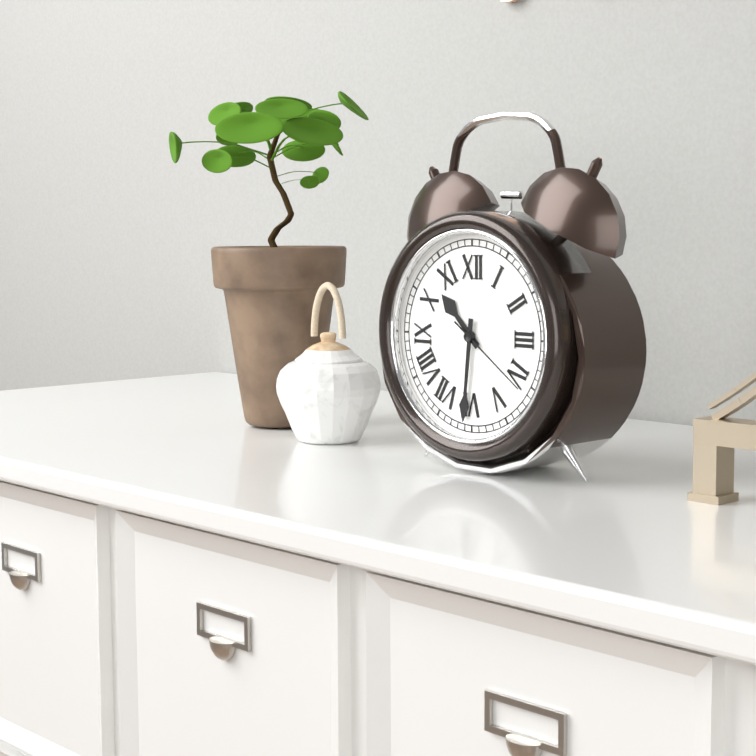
10:31:21
